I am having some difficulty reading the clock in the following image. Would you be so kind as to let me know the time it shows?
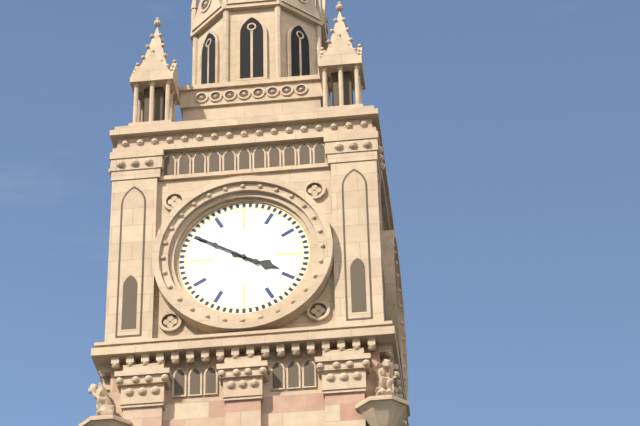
3:50
